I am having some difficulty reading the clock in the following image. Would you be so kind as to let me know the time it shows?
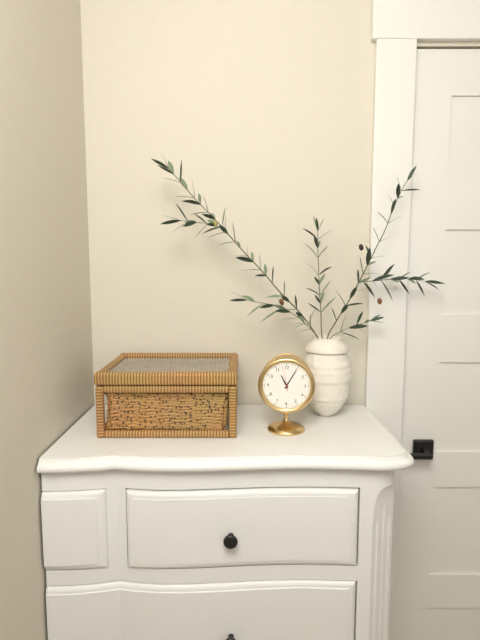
11:05
